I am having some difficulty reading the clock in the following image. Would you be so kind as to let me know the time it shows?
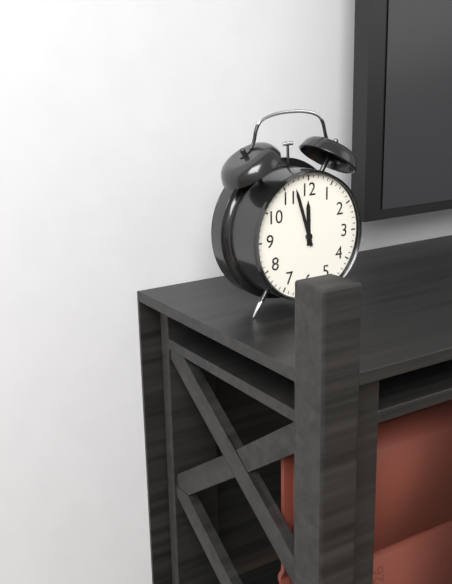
11:57
